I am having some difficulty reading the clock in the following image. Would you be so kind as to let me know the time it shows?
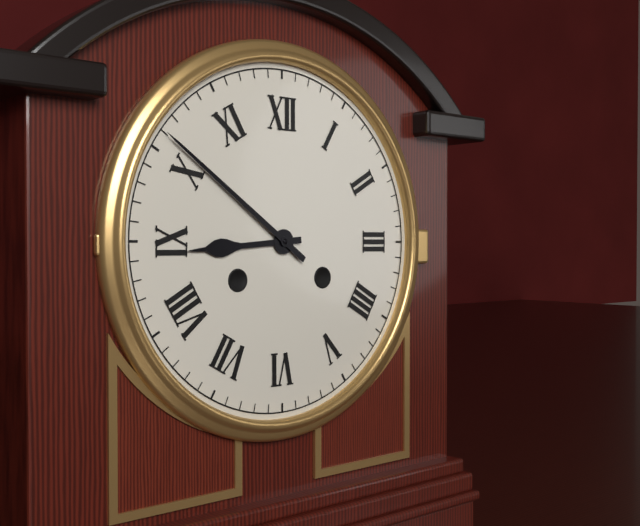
8:51
